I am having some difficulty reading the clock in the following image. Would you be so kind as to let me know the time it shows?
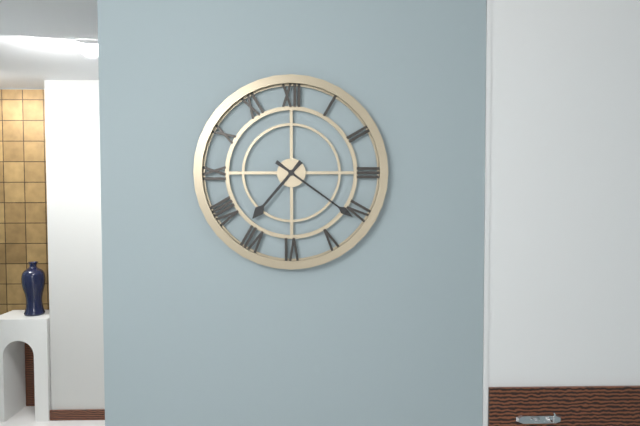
7:21
